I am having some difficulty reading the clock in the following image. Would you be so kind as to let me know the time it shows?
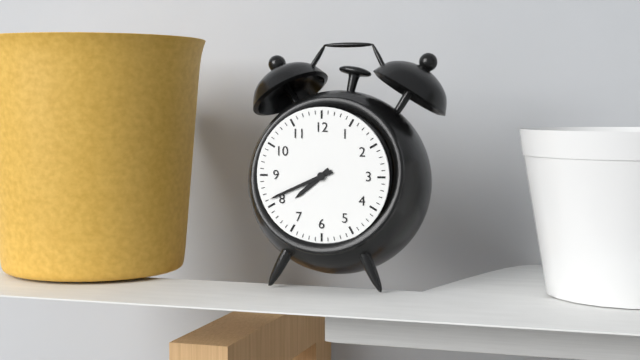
7:41
